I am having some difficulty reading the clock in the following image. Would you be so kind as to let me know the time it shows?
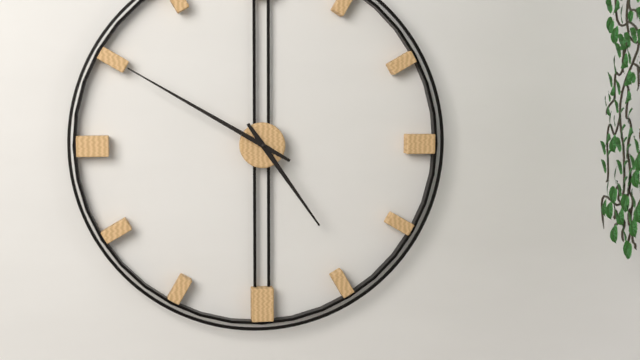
4:50
